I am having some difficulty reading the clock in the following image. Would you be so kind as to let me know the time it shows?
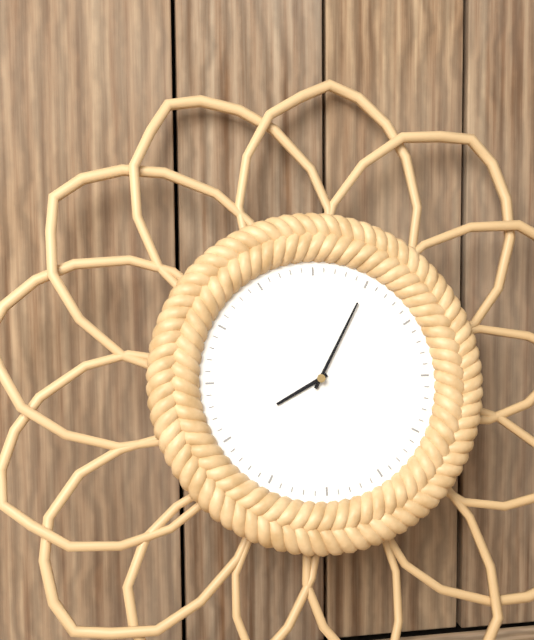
8:05
